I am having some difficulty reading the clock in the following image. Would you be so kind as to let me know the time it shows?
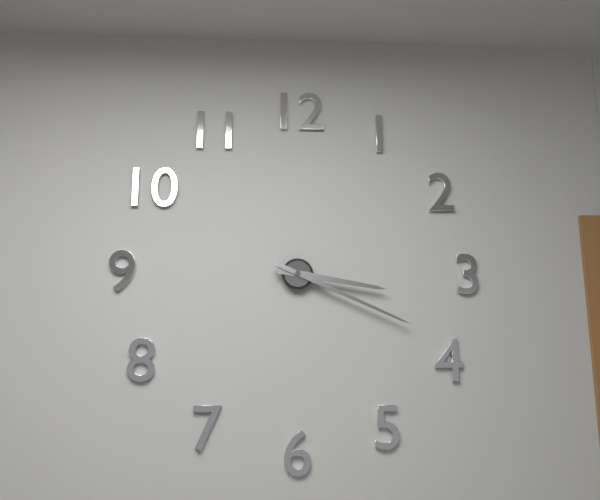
3:19
